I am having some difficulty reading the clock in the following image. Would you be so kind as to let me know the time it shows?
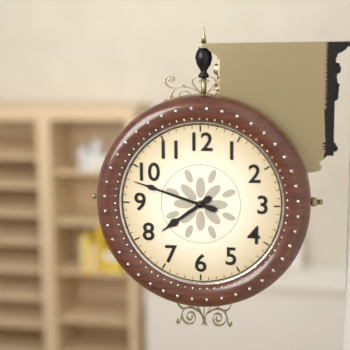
7:48
